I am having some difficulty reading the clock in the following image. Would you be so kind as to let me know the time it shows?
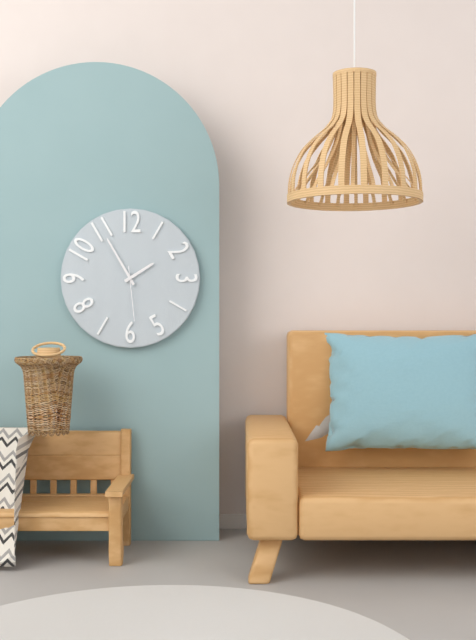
1:55:29
